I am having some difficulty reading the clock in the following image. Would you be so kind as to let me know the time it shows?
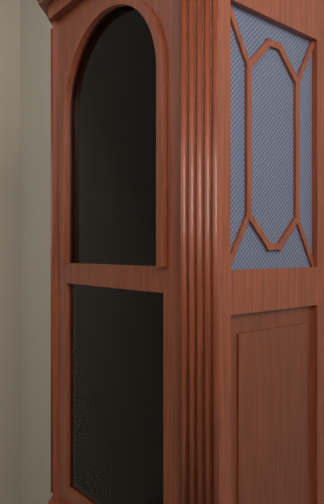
9:41
